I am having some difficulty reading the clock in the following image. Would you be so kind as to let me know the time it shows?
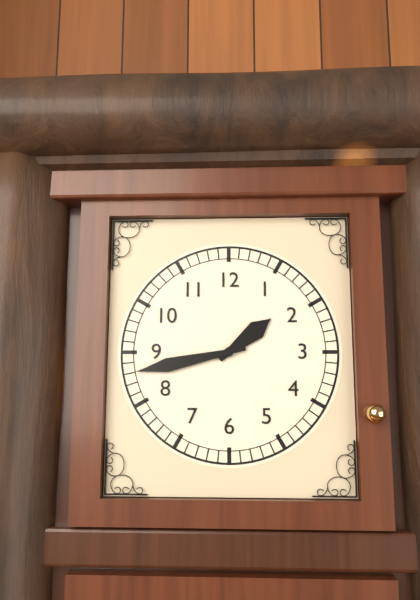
1:43
